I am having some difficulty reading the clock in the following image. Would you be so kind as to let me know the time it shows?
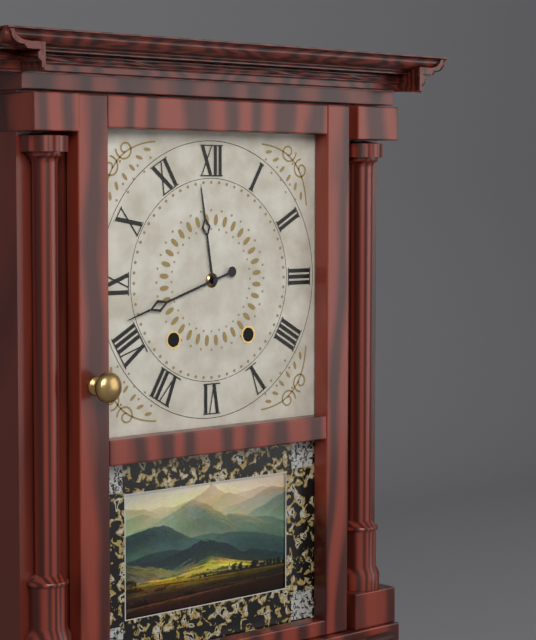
11:42
